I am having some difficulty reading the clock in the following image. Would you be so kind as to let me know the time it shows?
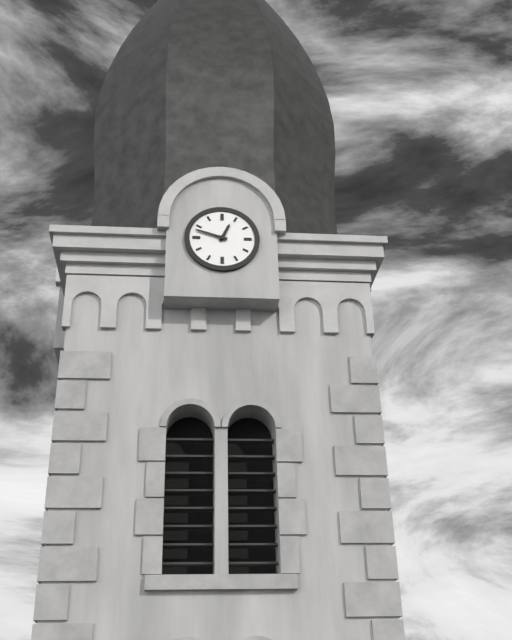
12:48
